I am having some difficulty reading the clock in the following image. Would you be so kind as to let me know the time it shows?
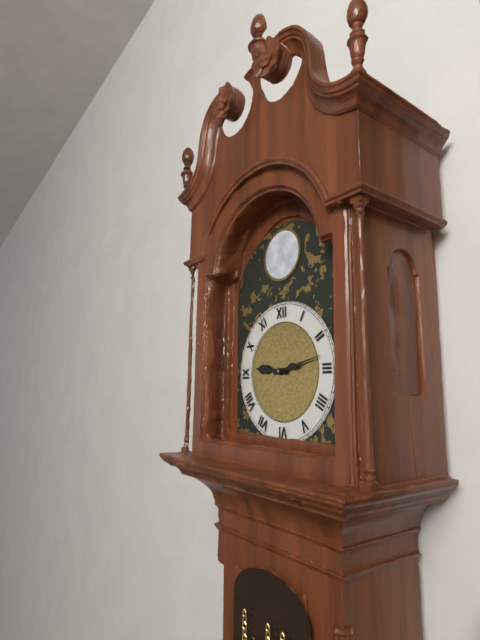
9:13
